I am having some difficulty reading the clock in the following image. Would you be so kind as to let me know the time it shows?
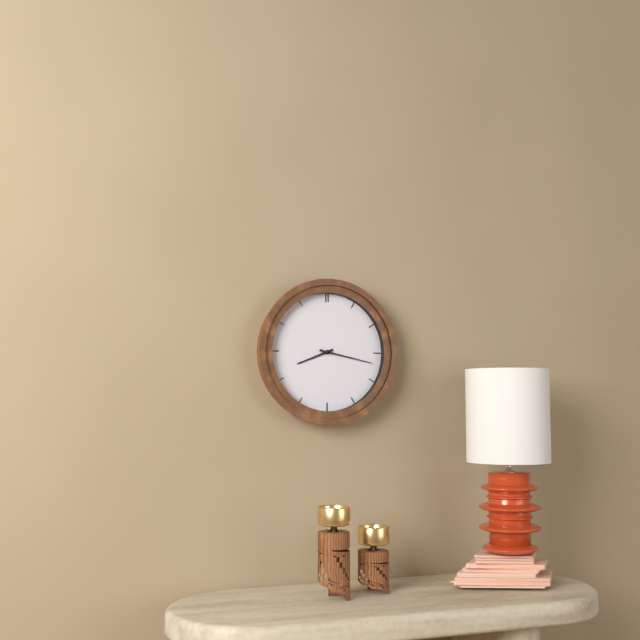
8:17
